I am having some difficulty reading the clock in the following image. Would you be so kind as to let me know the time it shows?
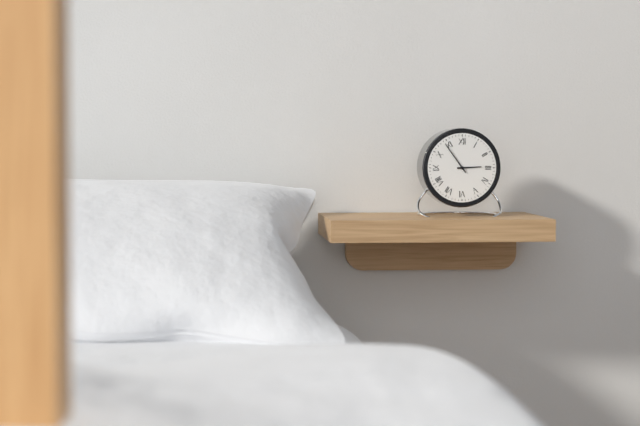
2:54
